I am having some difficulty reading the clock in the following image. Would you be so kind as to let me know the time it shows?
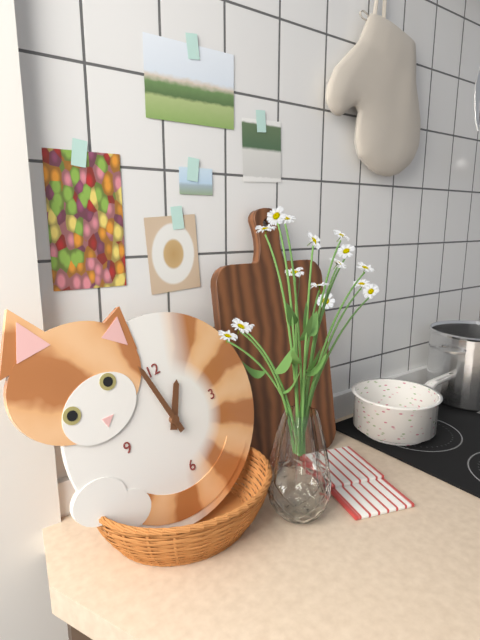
12:58
